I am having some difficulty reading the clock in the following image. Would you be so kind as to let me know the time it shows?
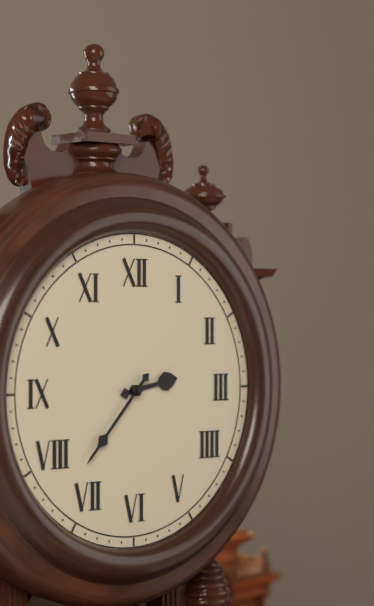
2:37
